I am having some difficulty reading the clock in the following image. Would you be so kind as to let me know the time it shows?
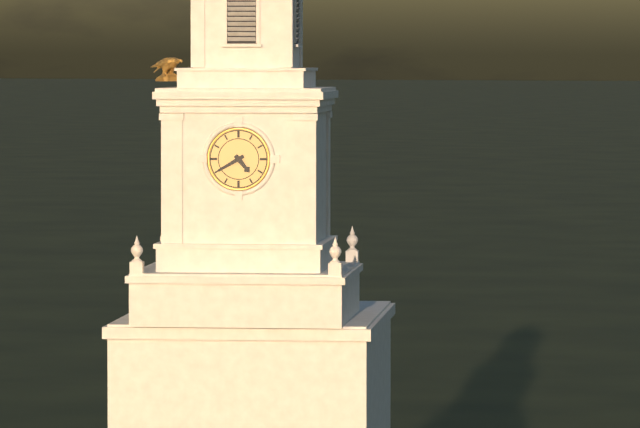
4:40
